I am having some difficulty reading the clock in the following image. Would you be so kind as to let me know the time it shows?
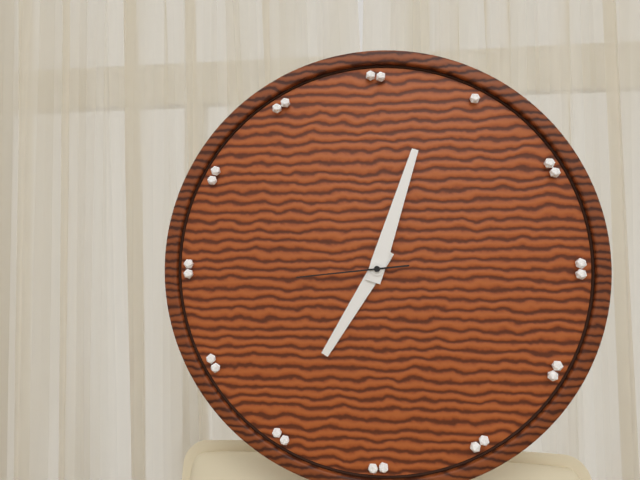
7:03:44
